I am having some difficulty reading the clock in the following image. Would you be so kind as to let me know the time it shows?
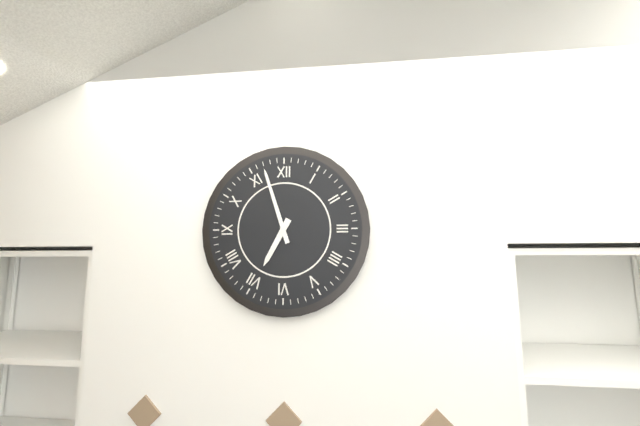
6:57
